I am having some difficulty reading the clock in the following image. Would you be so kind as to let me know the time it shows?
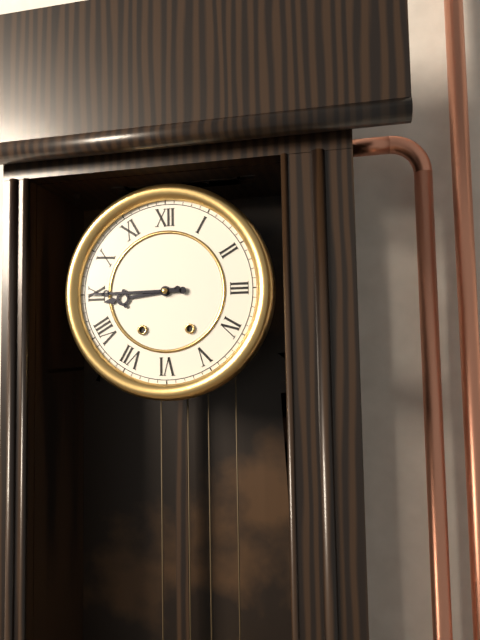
8:45
